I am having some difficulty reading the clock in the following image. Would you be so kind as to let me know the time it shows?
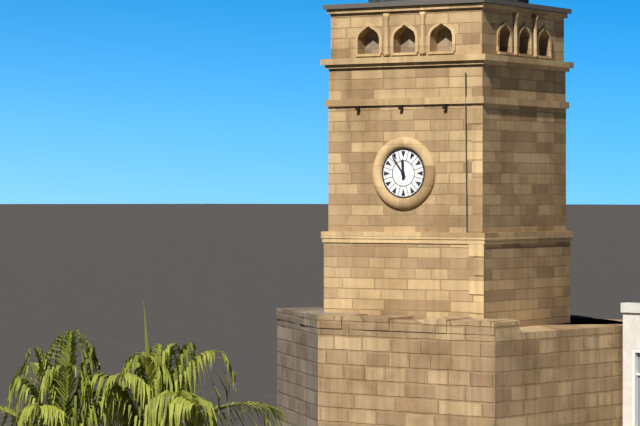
11:54
